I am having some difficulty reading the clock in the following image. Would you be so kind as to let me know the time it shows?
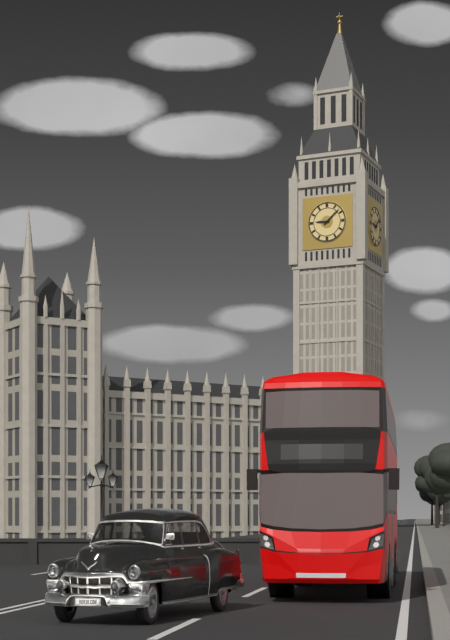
9:08
